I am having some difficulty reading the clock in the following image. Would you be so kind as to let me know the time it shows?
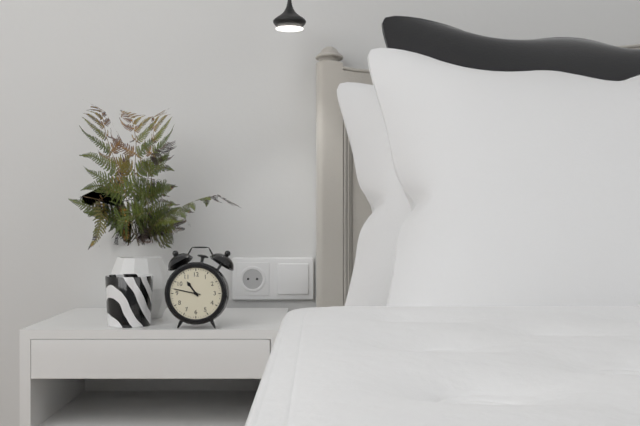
10:47
